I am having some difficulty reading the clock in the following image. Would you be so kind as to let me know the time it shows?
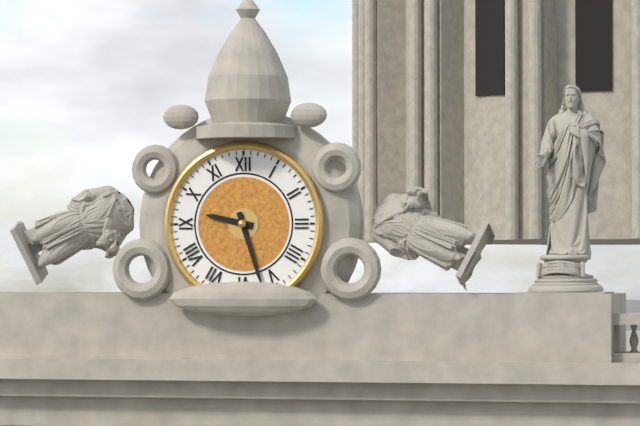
9:27
